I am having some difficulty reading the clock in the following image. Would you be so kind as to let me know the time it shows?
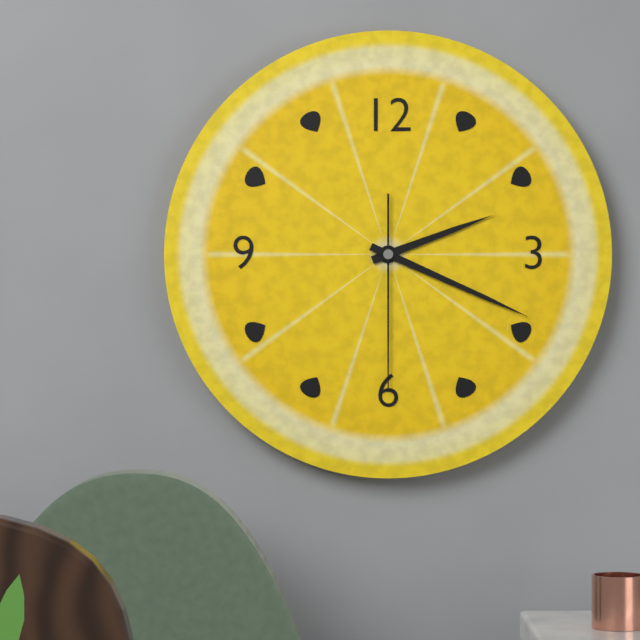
2:19:30
